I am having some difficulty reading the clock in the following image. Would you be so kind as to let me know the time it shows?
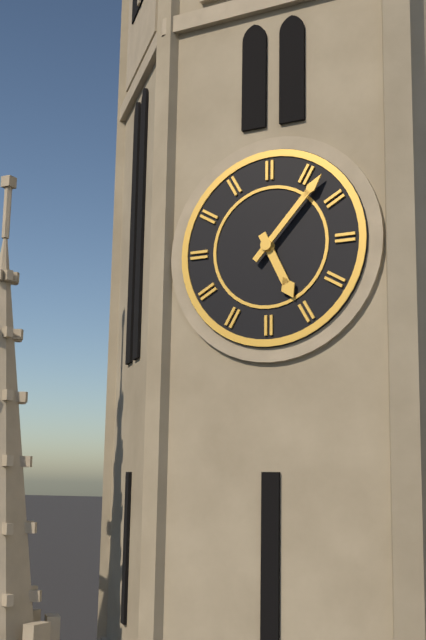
5:07
